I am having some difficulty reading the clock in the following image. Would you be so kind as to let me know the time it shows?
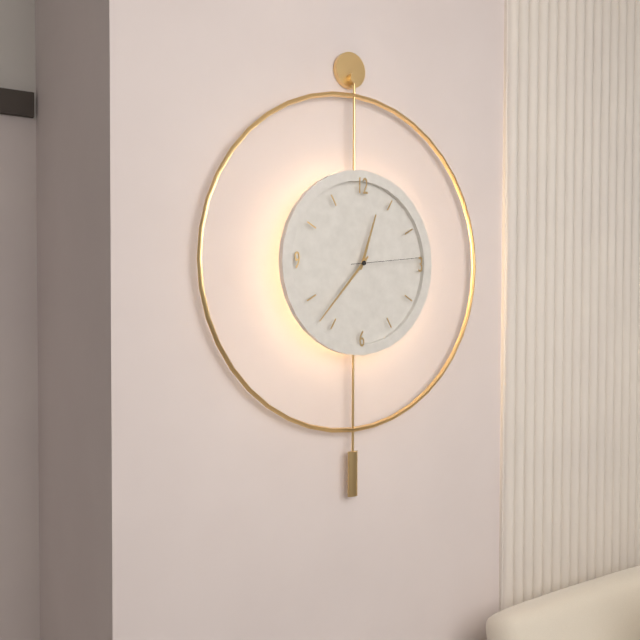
12:37:14
